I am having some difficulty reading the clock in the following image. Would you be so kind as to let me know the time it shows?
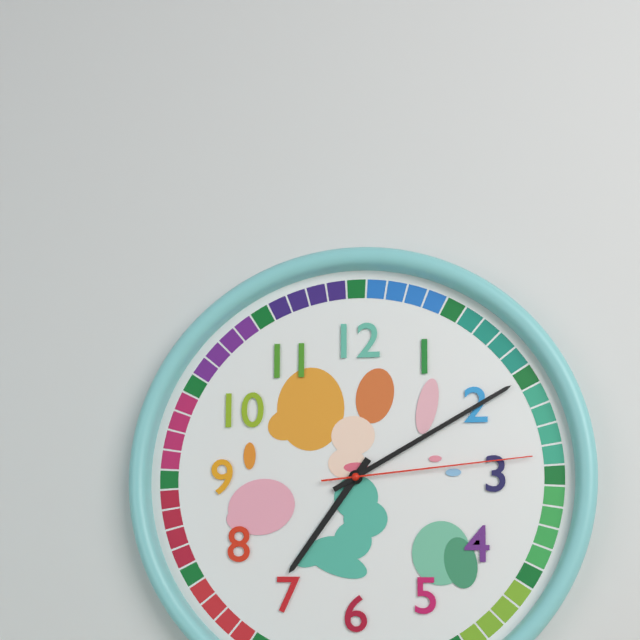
7:10:14
